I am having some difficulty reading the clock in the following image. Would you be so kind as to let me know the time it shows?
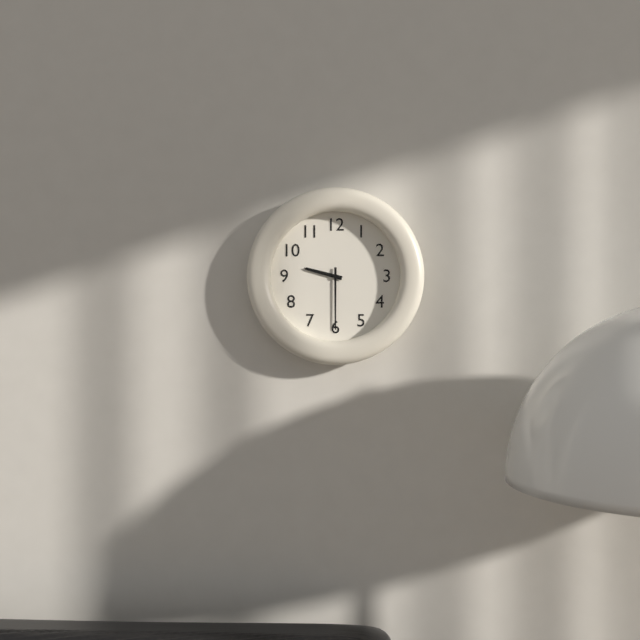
9:30
